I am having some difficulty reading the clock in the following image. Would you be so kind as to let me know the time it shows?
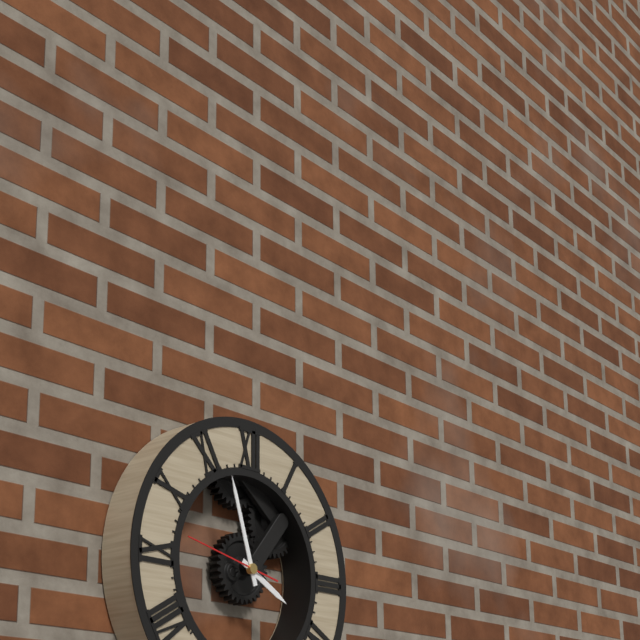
3:57:47
